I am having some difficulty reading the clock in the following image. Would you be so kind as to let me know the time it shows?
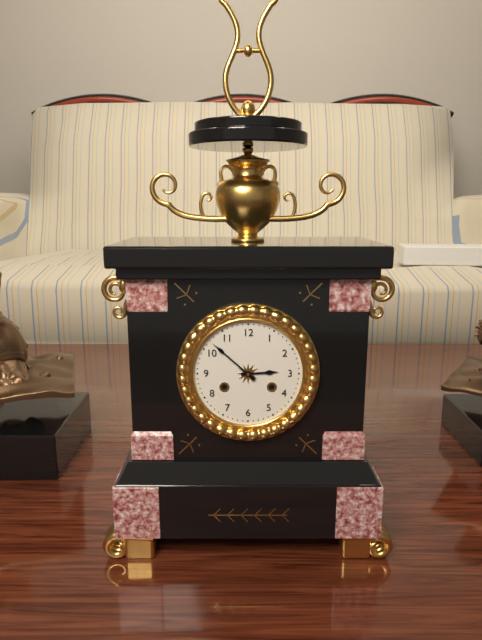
2:52
